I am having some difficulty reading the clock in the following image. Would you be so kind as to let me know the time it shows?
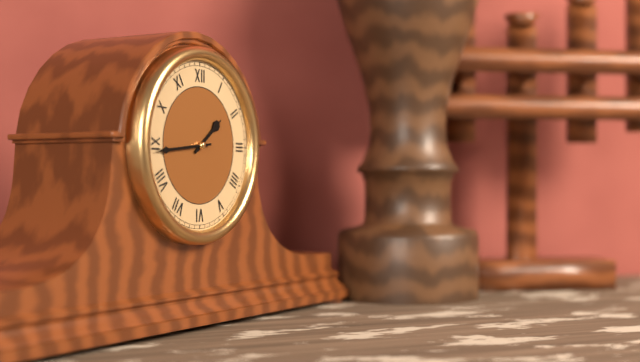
1:44
